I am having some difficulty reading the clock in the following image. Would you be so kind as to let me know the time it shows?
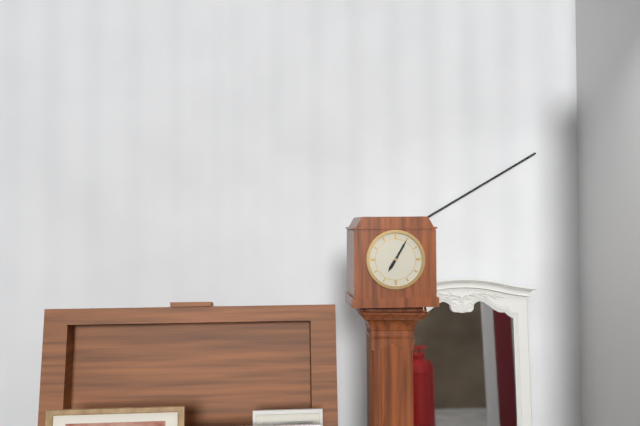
7:05
